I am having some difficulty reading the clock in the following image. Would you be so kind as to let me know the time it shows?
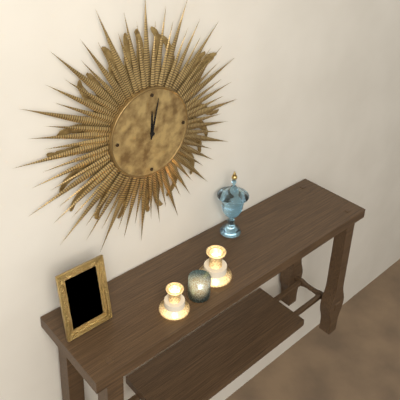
12:02
